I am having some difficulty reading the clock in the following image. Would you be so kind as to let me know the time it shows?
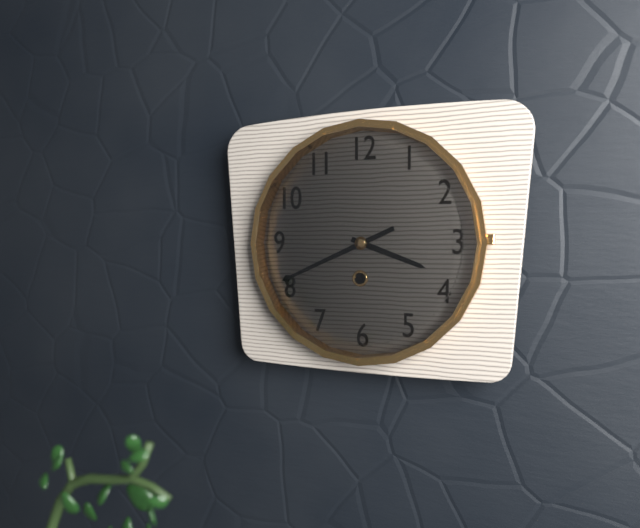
3:41
